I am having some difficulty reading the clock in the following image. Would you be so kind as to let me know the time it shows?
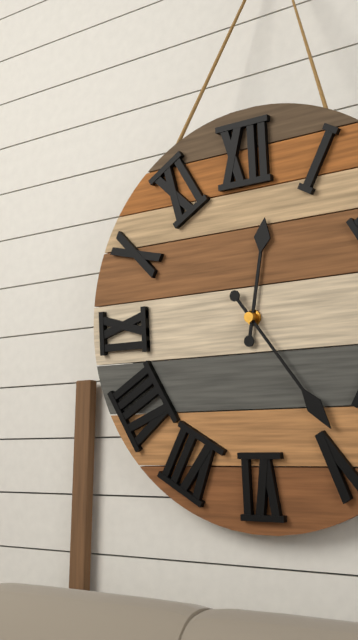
12:24
